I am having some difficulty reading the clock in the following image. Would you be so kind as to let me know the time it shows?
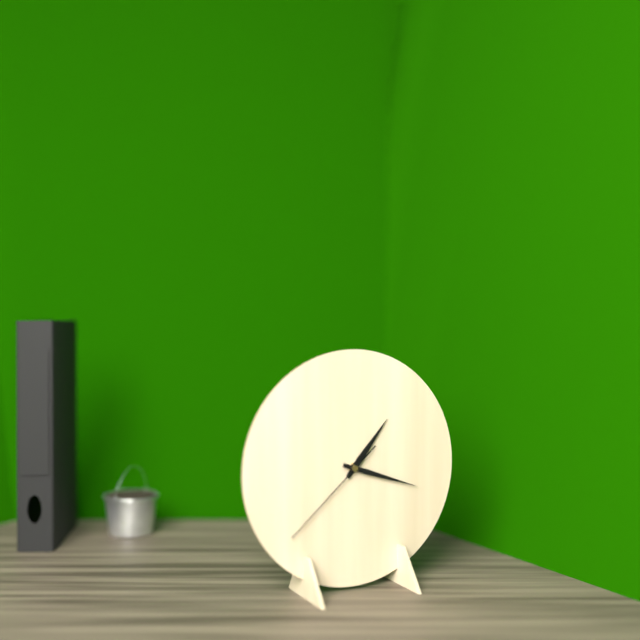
1:18:38
